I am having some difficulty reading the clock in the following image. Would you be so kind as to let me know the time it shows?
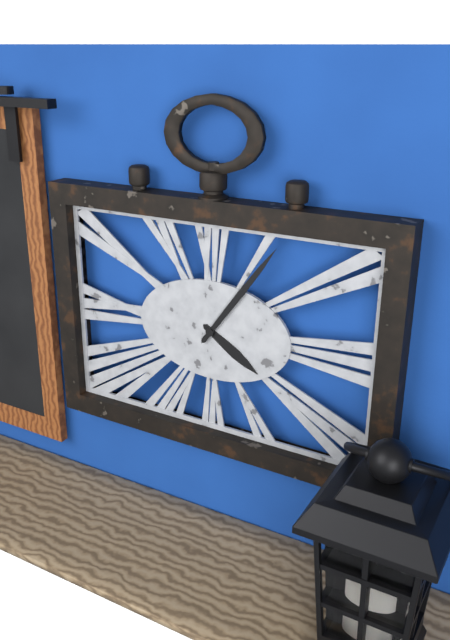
4:06
